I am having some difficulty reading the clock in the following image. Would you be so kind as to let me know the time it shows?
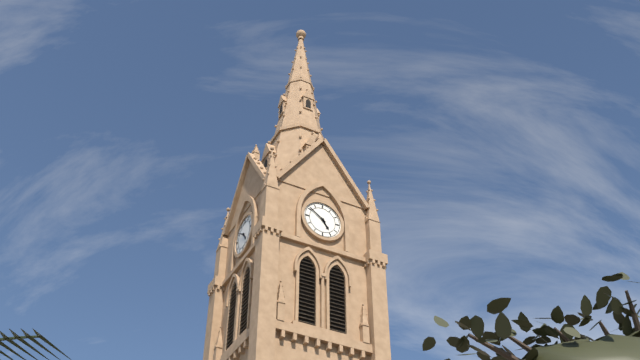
4:51
